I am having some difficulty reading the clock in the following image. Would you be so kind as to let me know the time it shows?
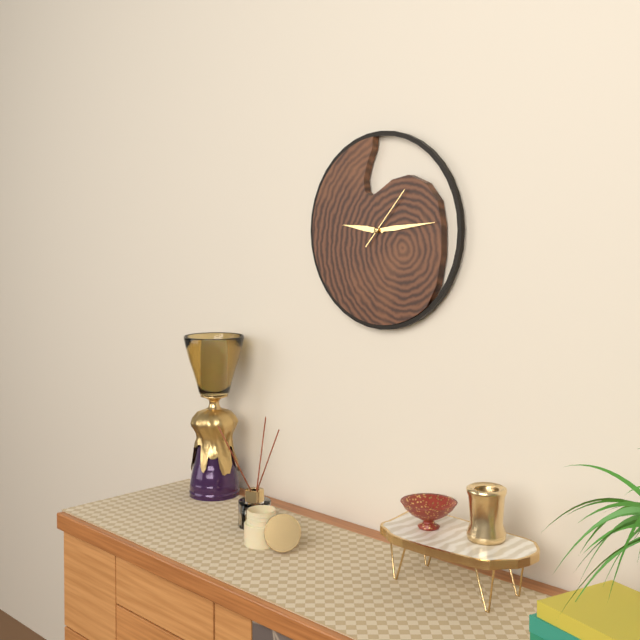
9:14:07
